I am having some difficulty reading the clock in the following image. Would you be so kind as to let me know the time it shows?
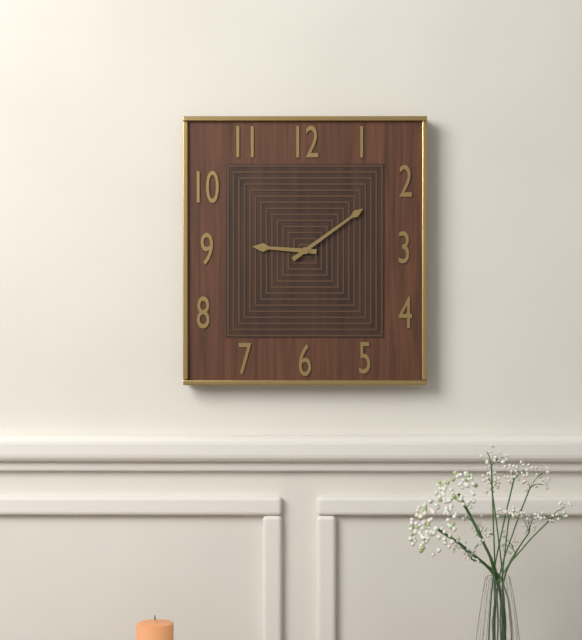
9:09
